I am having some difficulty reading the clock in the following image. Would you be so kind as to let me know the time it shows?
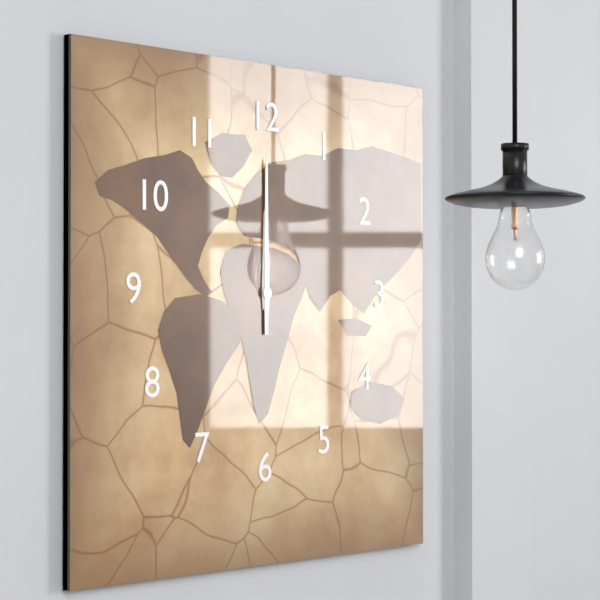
12:00
